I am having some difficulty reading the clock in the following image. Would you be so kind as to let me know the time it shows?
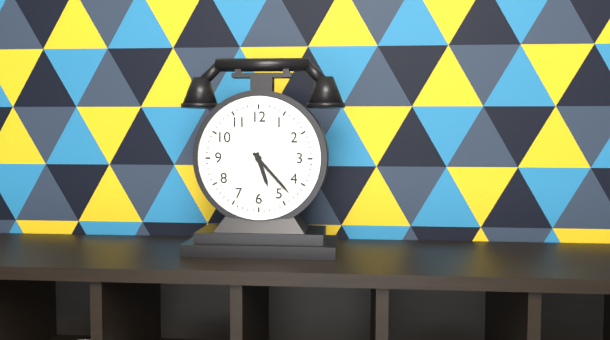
5:23
